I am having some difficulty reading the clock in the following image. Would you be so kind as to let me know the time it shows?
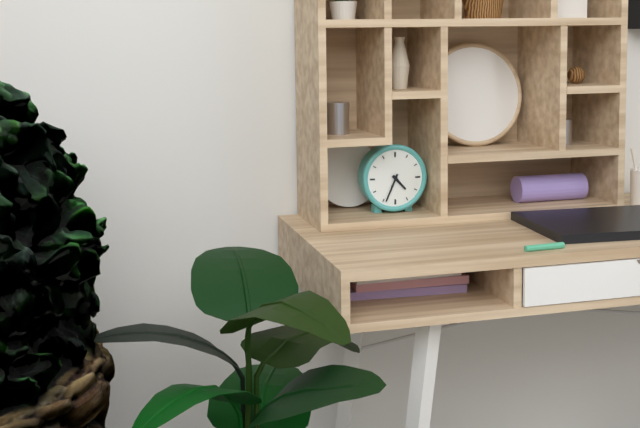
4:34
